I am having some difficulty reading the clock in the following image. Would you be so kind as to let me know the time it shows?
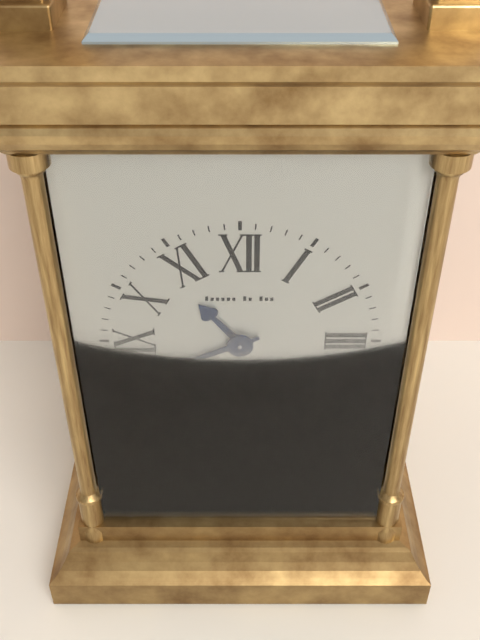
10:41
